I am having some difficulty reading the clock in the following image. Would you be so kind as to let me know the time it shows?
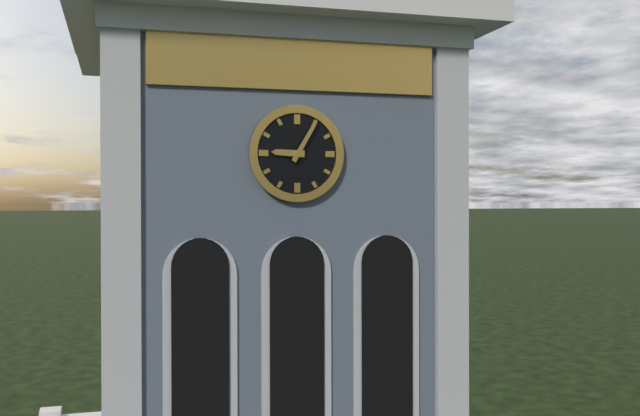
9:05
